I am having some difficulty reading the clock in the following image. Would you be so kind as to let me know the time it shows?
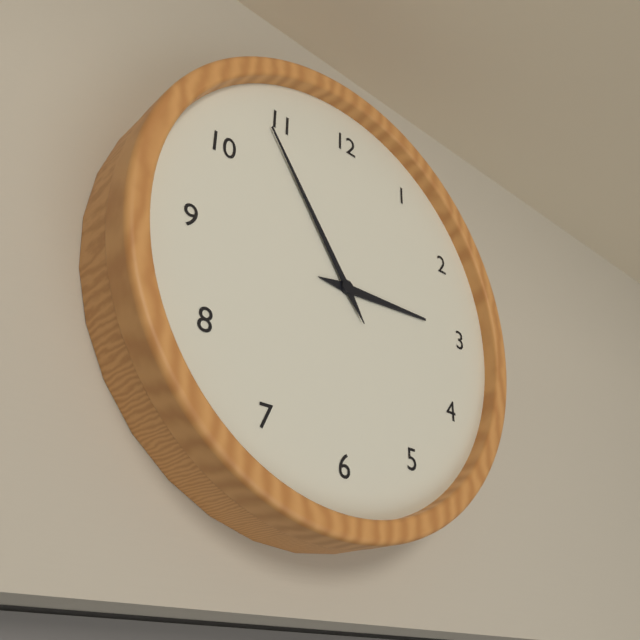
2:54
